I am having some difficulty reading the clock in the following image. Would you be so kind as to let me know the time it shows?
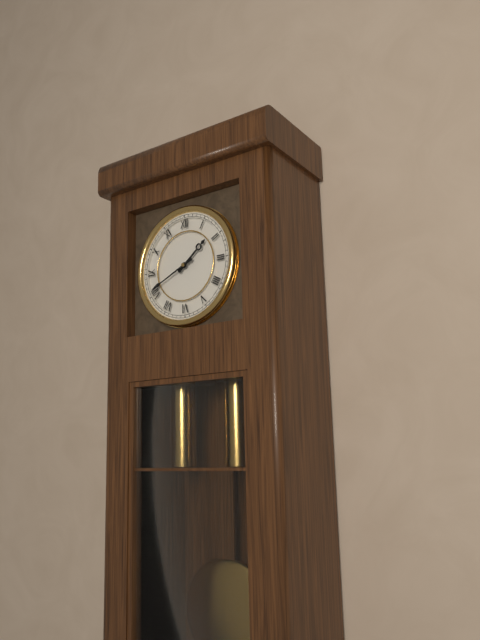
1:41
